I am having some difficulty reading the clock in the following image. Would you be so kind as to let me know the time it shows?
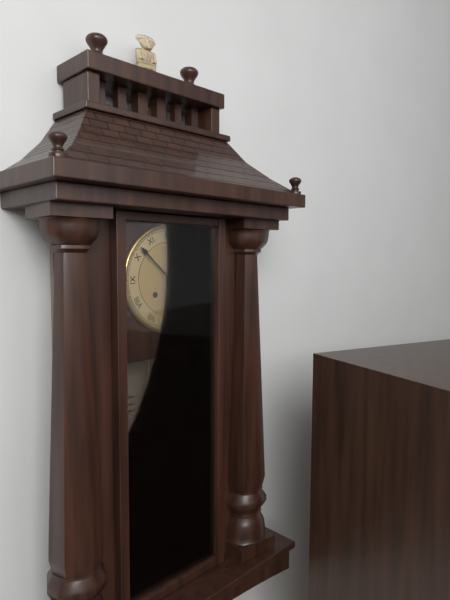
12:52
